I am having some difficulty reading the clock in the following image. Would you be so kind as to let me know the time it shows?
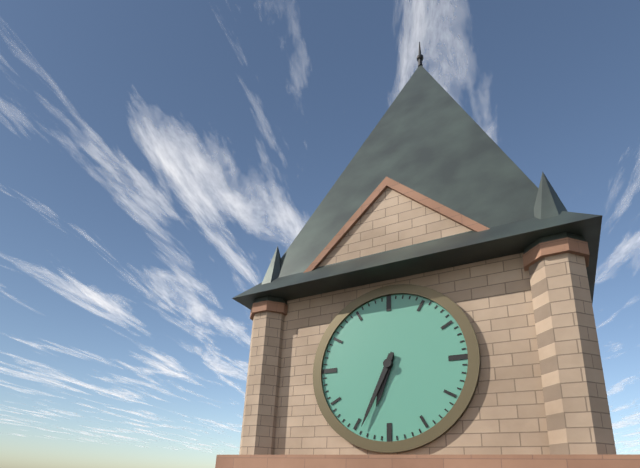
6:34
